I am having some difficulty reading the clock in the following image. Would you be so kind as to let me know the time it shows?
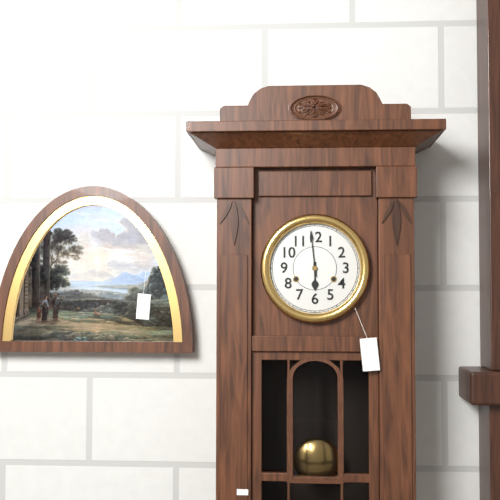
5:59
